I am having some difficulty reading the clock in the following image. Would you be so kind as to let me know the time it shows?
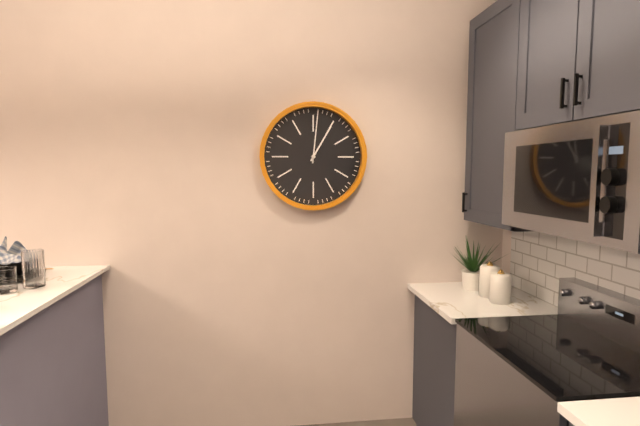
1:01
